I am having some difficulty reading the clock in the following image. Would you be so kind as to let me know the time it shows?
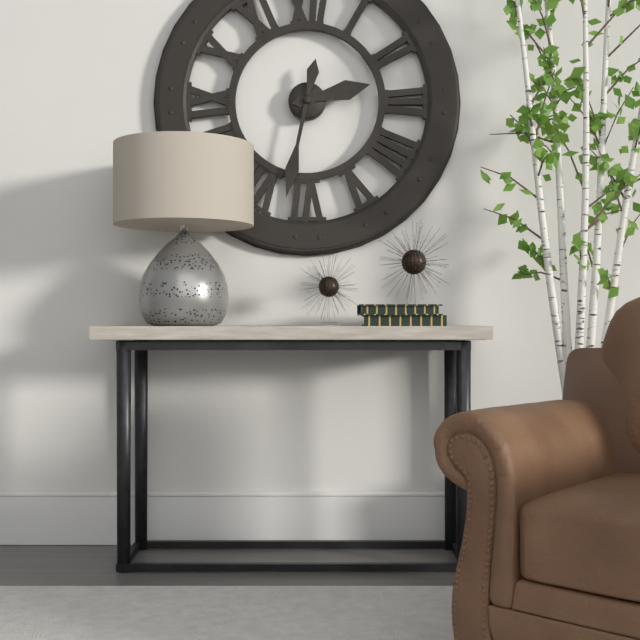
2:32
